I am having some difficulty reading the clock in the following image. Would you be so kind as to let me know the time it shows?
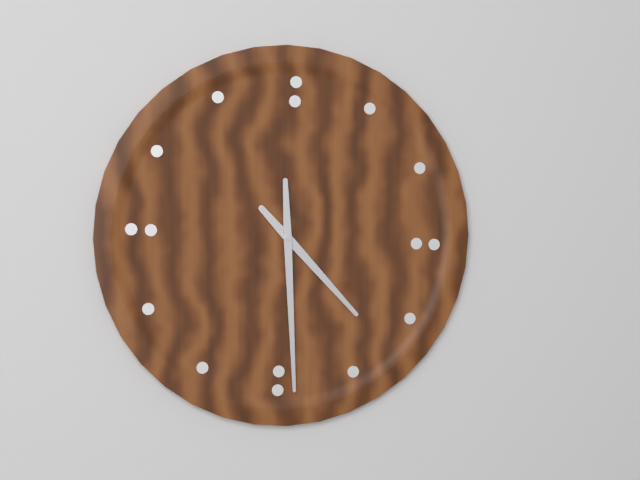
4:29
